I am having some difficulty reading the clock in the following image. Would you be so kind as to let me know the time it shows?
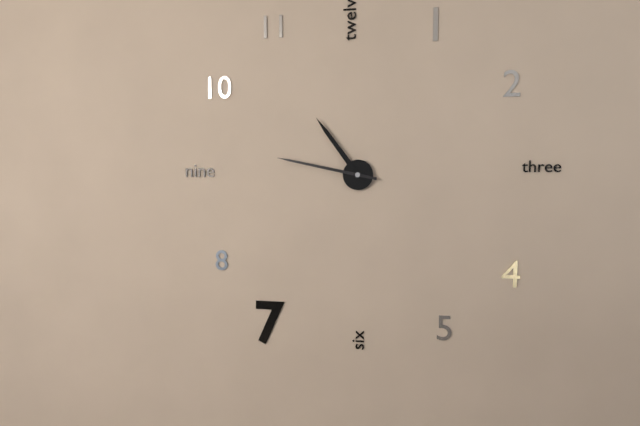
10:47
